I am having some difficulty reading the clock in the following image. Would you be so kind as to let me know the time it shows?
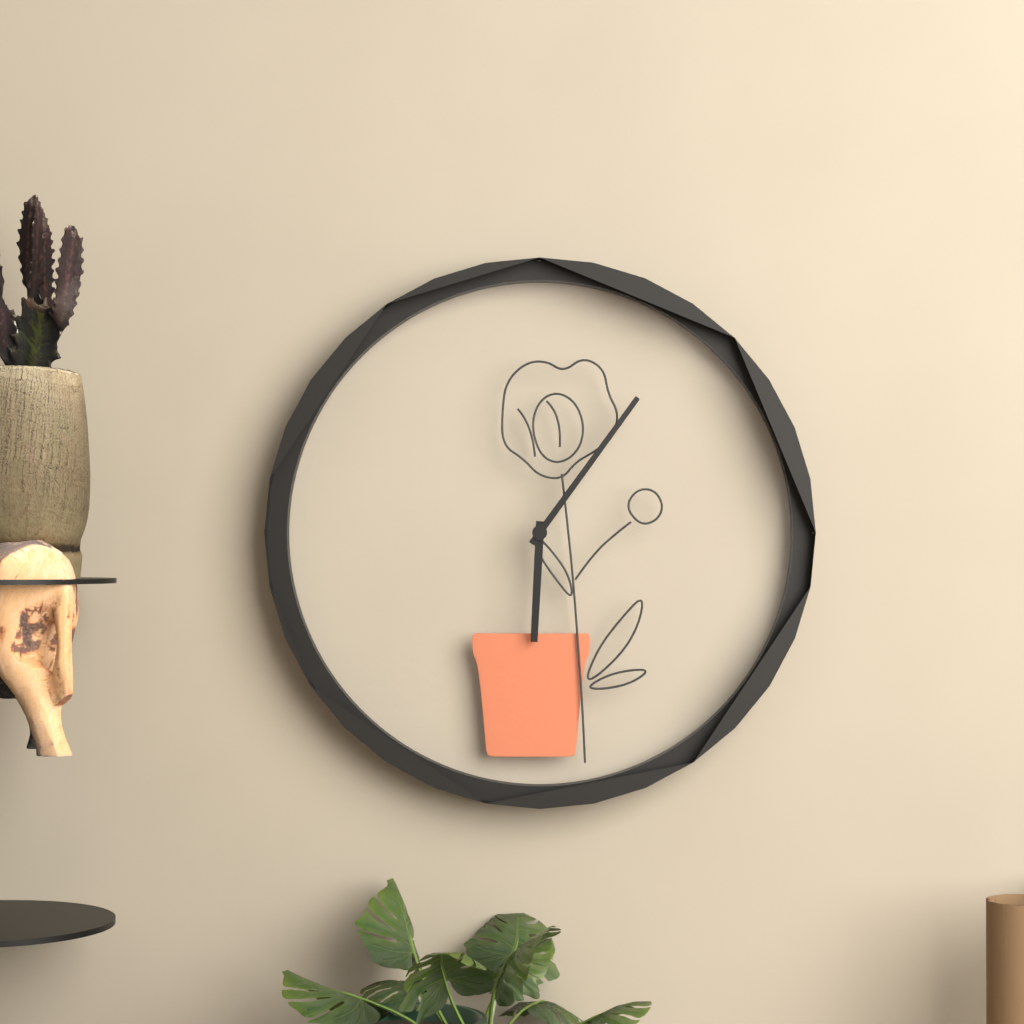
6:06
